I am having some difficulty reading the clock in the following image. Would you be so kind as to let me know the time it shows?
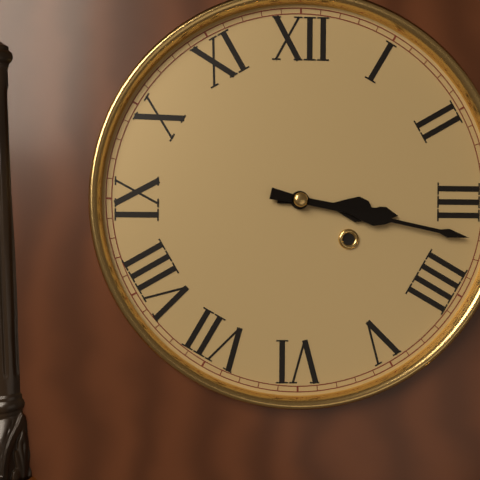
3:17
